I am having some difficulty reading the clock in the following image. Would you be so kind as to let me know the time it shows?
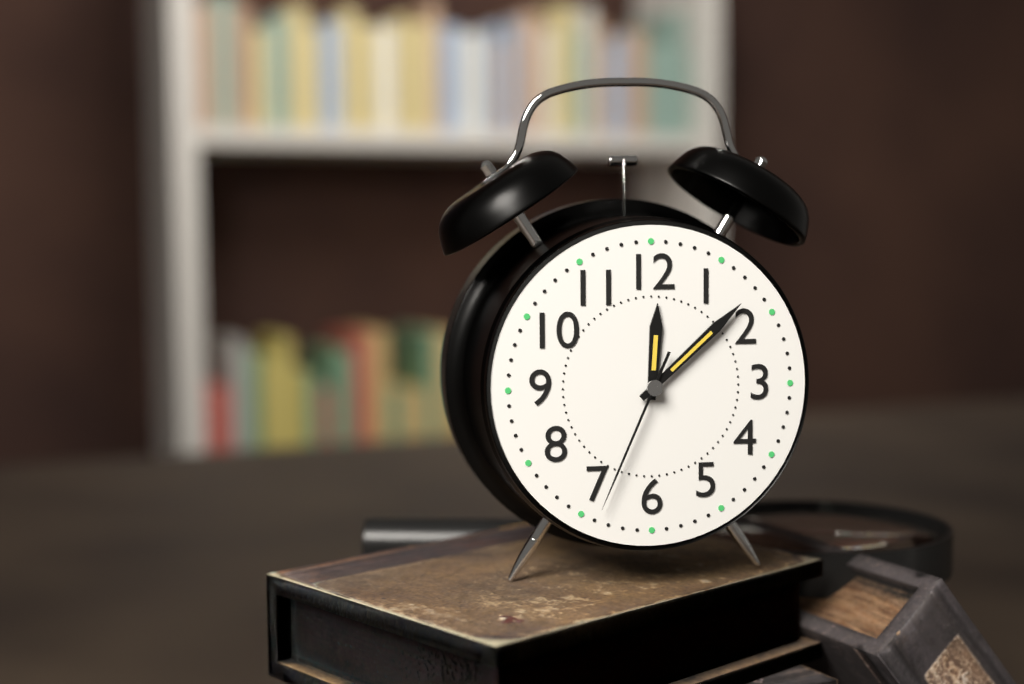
12:08:34
